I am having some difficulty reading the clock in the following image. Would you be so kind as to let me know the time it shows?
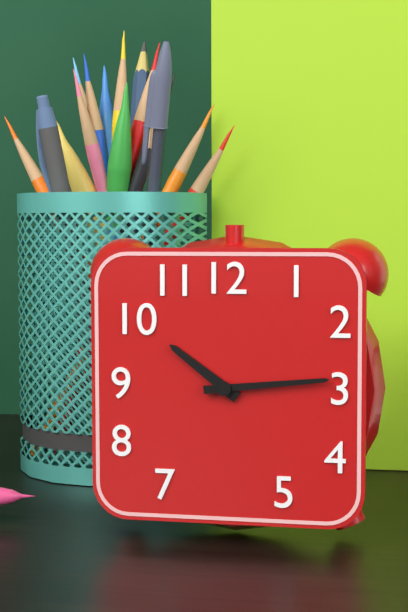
10:14
